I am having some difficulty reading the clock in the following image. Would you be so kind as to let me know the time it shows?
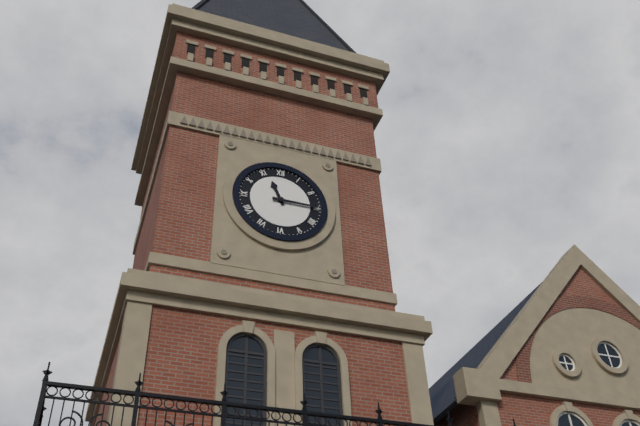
11:15
